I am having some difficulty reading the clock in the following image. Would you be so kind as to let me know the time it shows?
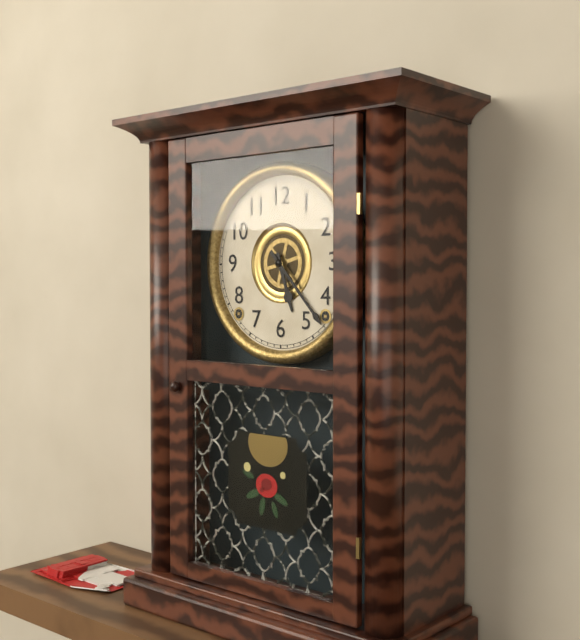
5:23
